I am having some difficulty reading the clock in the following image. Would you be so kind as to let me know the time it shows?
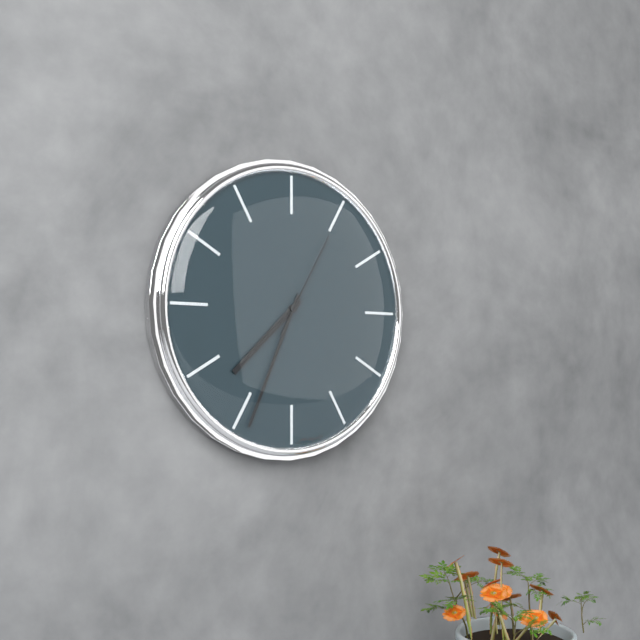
7:34:05
